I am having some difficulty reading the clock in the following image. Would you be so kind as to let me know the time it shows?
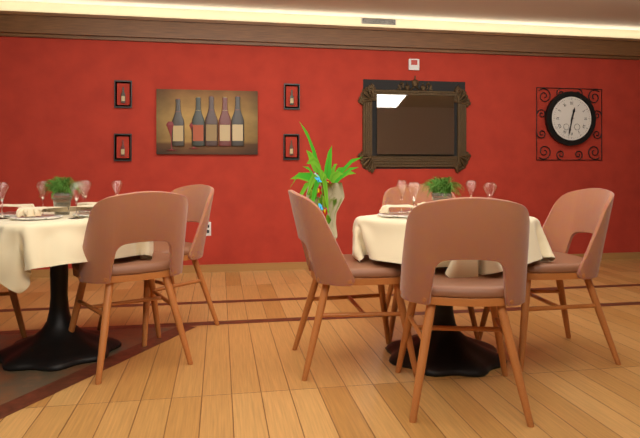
12:32
